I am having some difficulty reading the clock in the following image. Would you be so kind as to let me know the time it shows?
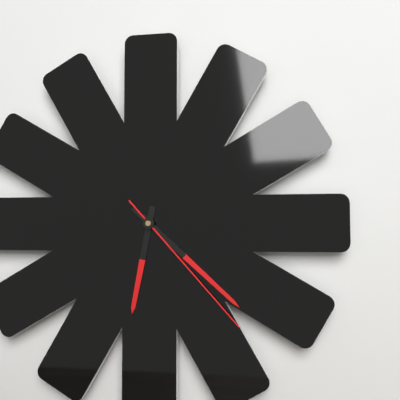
6:22:23
